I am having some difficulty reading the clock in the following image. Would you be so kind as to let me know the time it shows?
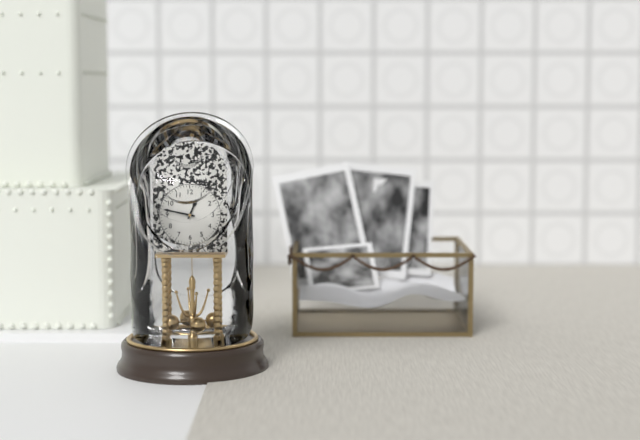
12:47
